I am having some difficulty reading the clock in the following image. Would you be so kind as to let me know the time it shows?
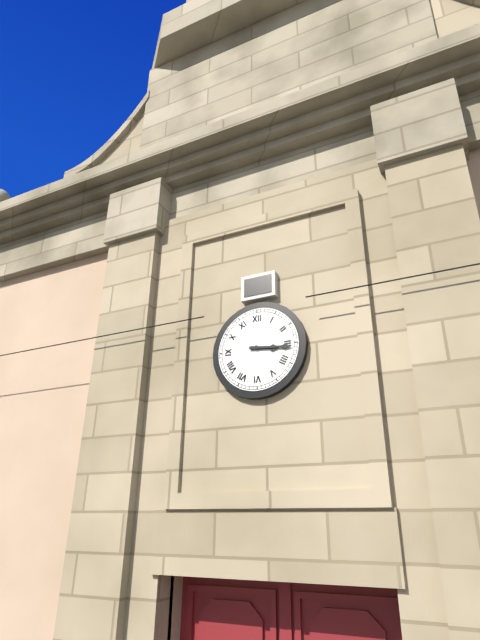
3:16
